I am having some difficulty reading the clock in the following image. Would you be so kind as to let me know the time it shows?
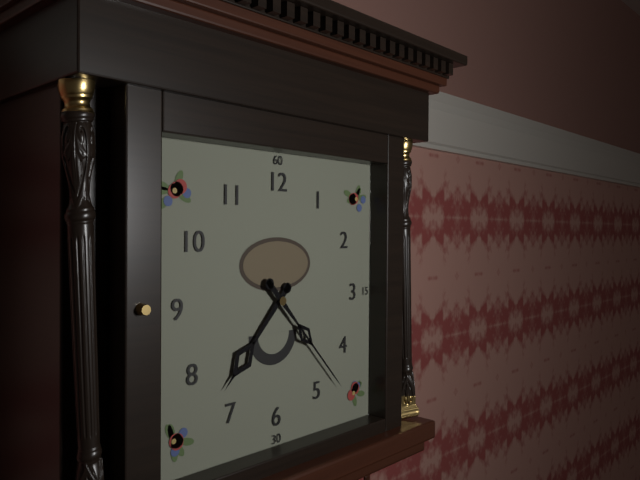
7:23
